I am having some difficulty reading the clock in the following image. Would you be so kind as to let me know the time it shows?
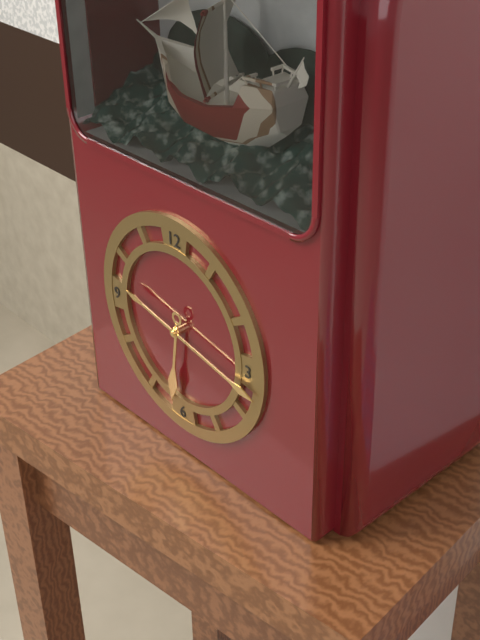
6:17
